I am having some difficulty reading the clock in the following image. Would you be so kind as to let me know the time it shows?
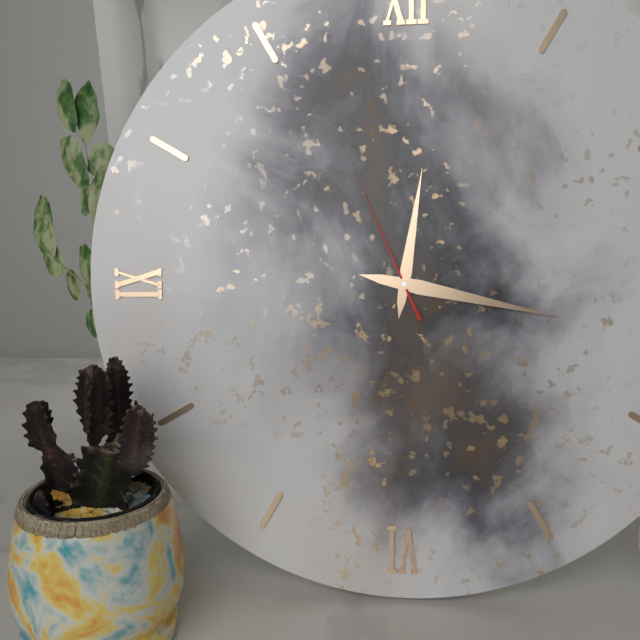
12:17:56
